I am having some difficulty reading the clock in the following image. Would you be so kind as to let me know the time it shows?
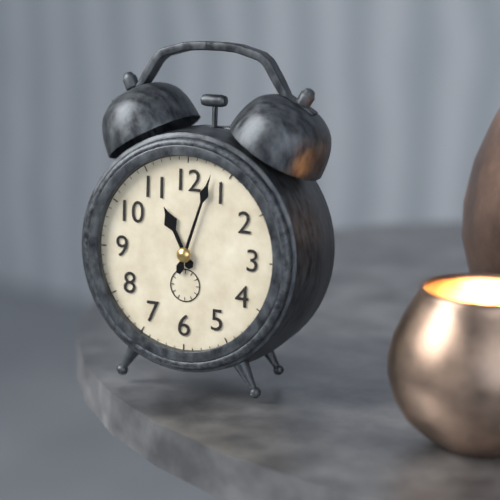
11:03
